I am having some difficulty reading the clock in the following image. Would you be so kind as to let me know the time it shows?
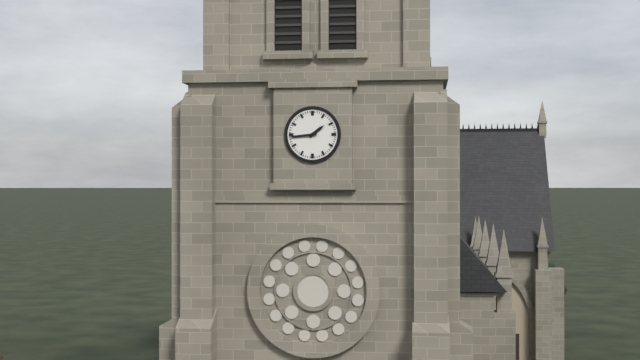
1:44
